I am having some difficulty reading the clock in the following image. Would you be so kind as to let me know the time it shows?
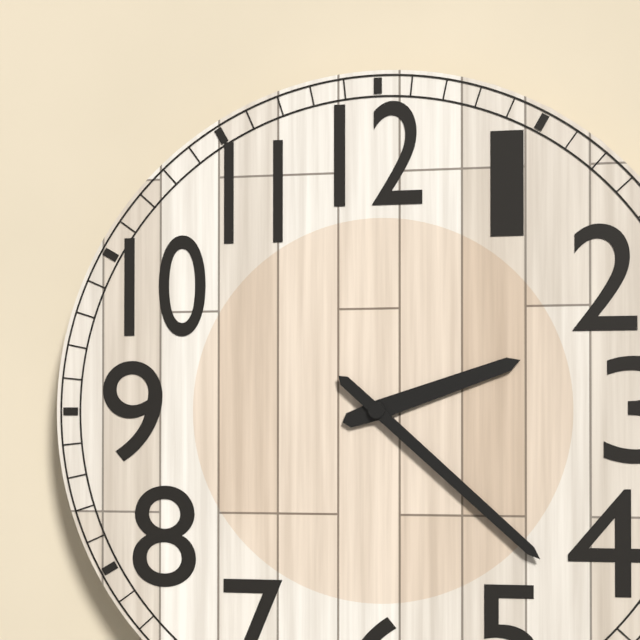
2:22
